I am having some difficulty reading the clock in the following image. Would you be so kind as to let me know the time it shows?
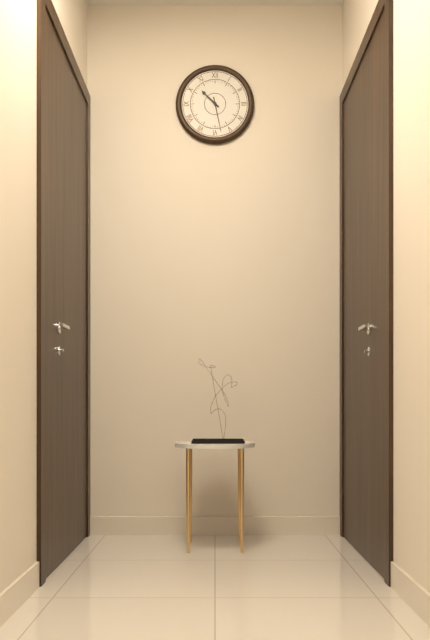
10:28
